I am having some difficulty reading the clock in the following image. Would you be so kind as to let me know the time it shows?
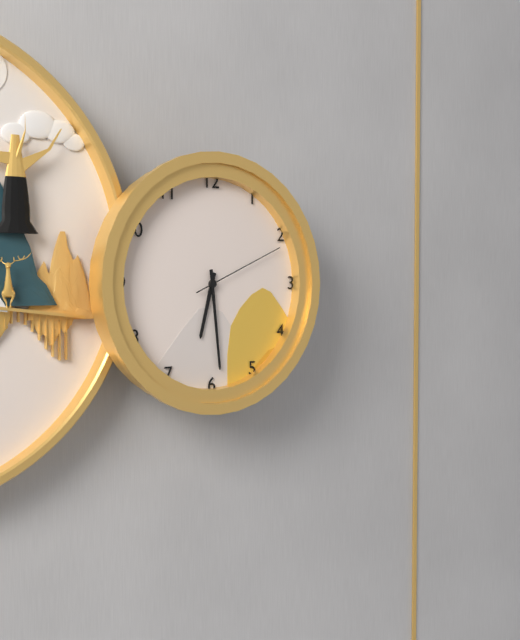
6:29:11
